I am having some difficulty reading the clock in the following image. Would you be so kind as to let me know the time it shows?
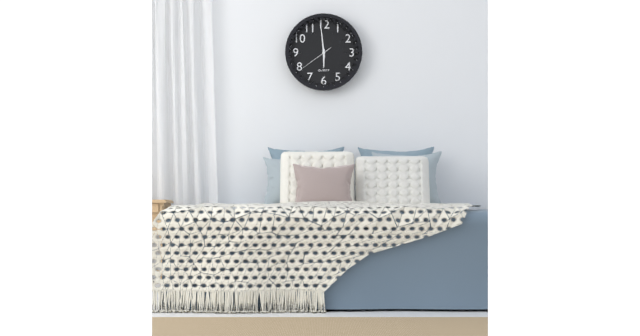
5:59
